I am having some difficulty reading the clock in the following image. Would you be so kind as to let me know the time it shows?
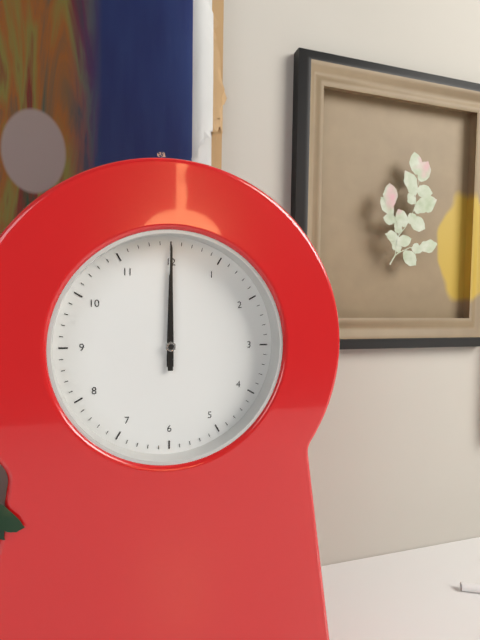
12:00
